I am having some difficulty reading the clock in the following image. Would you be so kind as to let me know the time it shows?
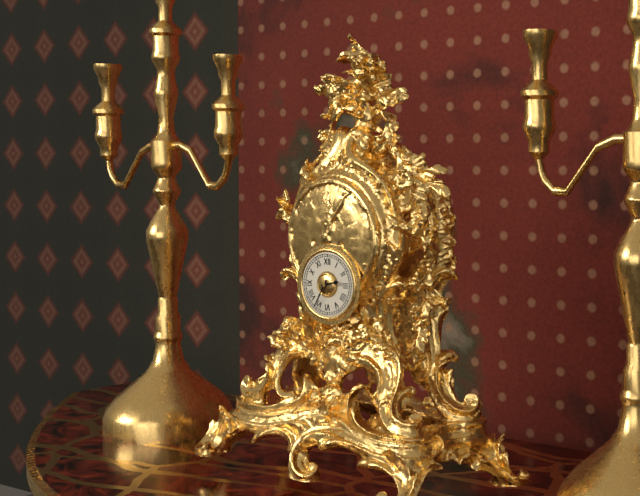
2:35
